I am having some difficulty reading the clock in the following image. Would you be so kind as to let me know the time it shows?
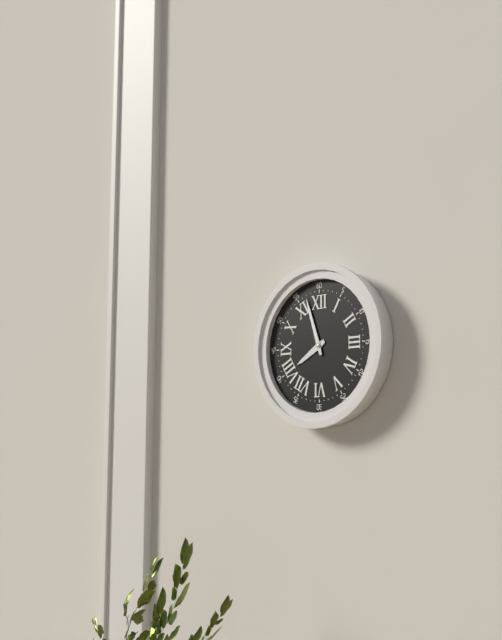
7:57
